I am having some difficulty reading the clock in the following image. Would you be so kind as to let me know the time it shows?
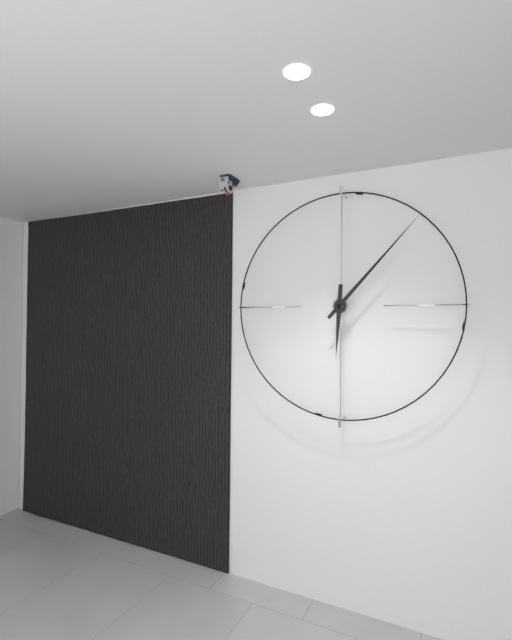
6:07
